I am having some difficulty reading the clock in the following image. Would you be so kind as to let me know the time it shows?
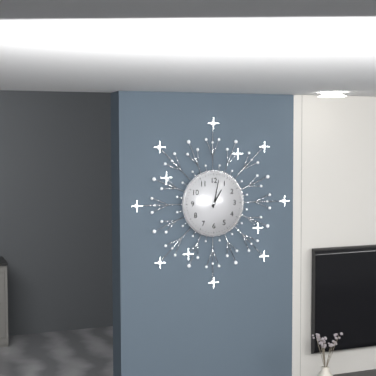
1:02
